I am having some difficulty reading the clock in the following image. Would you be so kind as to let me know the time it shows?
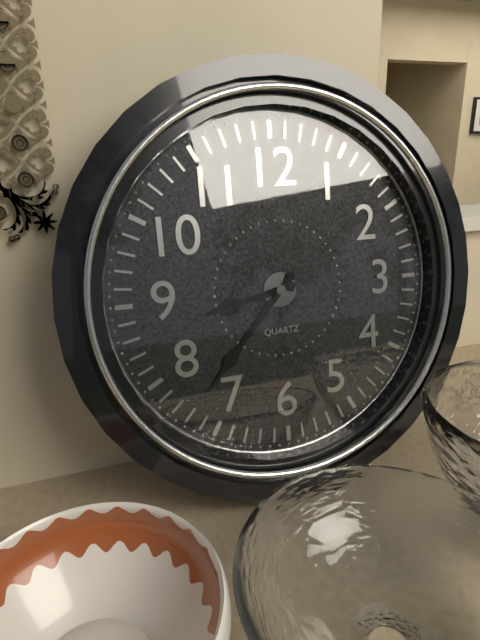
8:37
